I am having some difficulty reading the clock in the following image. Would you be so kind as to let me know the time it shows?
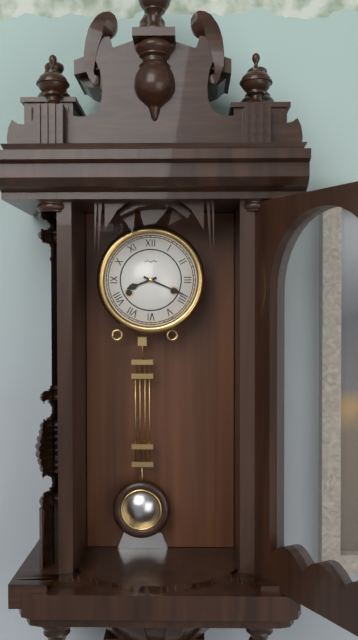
8:19
